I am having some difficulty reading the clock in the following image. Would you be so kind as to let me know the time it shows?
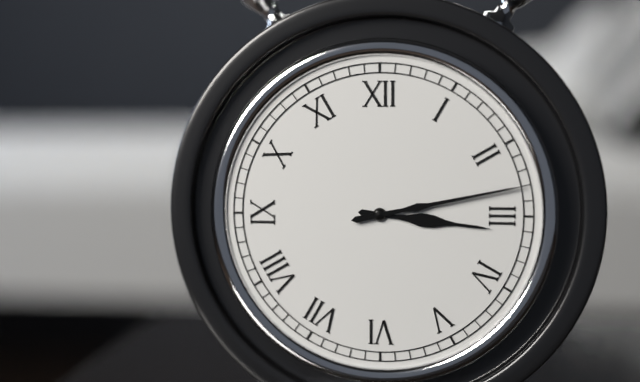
3:13
